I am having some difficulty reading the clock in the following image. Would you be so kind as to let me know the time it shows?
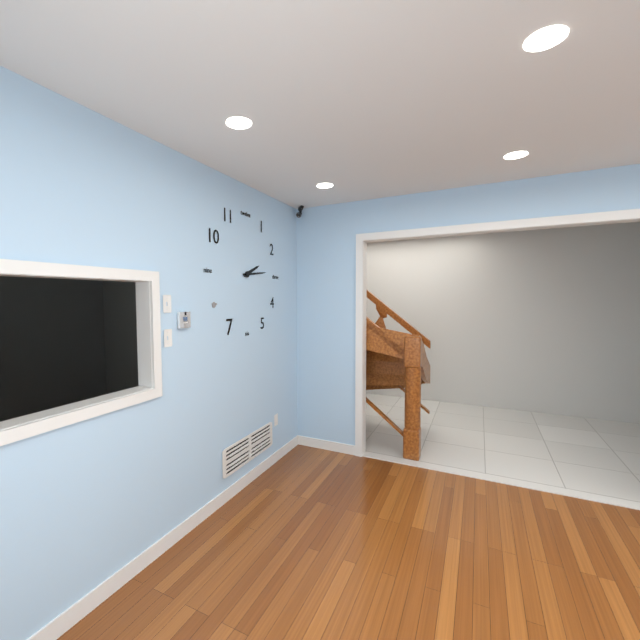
2:14
